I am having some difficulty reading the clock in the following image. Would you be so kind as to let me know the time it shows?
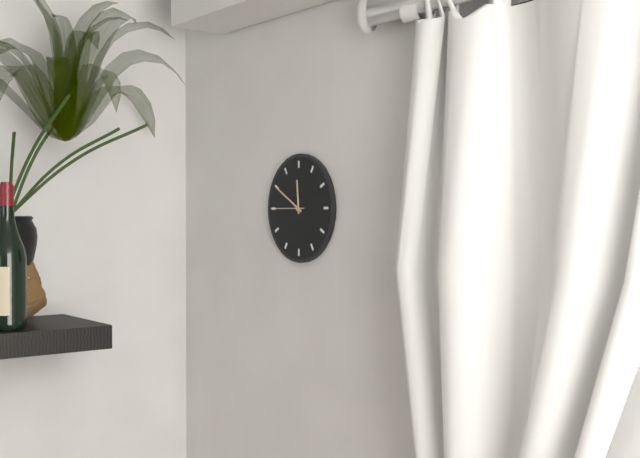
11:50
